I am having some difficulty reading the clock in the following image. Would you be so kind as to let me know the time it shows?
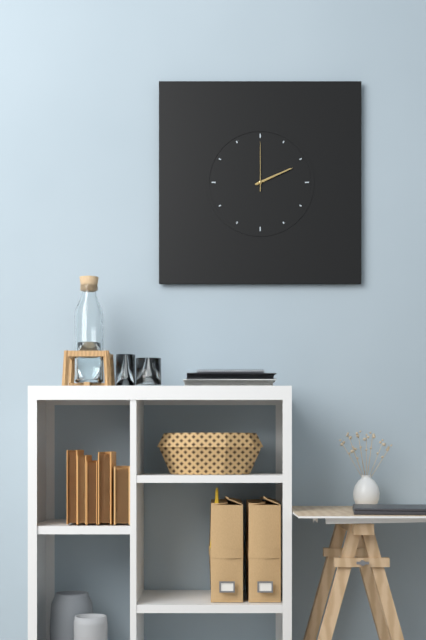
2:11:00
